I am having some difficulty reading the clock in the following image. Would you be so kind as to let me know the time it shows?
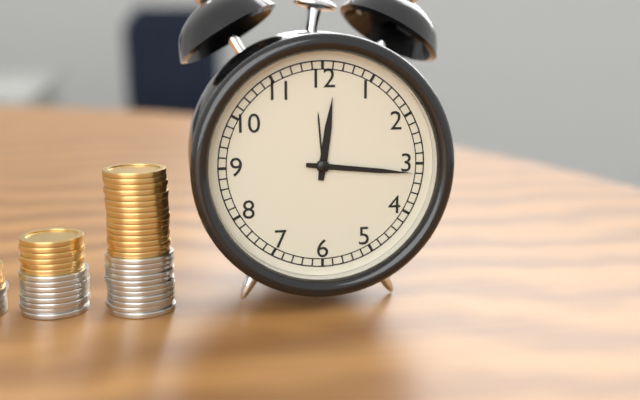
12:16
